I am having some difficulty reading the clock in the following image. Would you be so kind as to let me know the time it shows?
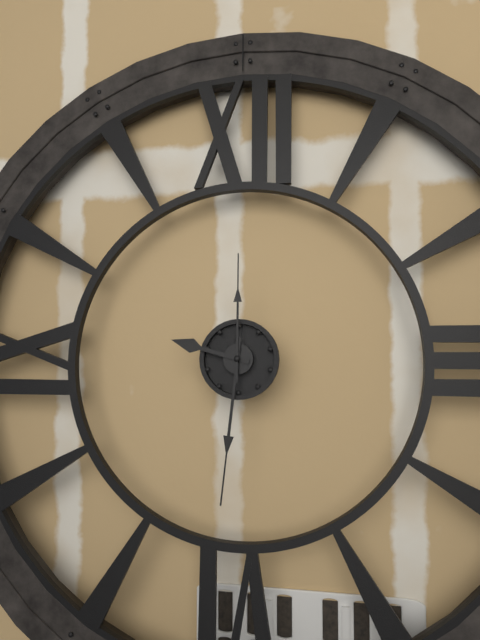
9:31:00
